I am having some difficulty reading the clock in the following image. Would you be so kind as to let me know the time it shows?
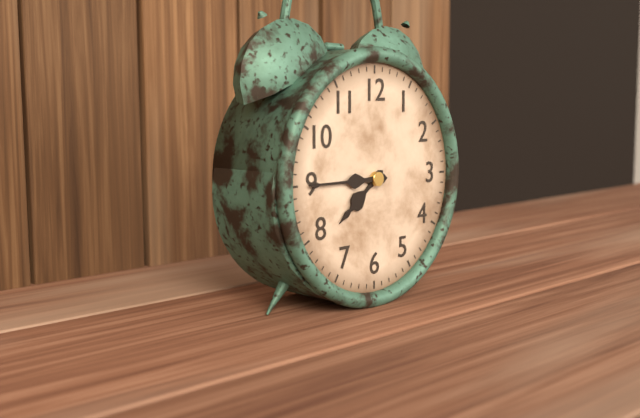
7:45
